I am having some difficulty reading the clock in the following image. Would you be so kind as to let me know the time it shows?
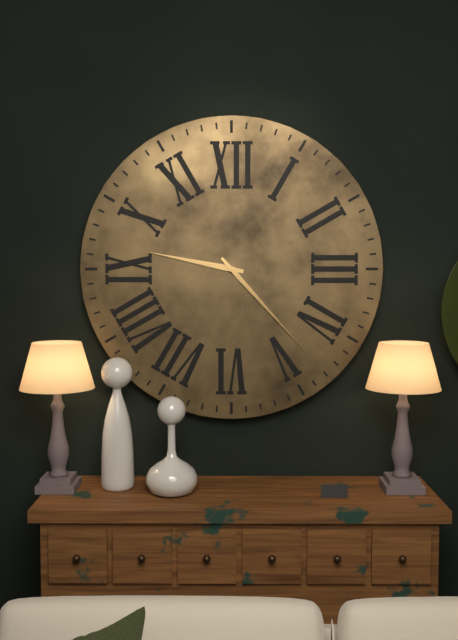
9:23
